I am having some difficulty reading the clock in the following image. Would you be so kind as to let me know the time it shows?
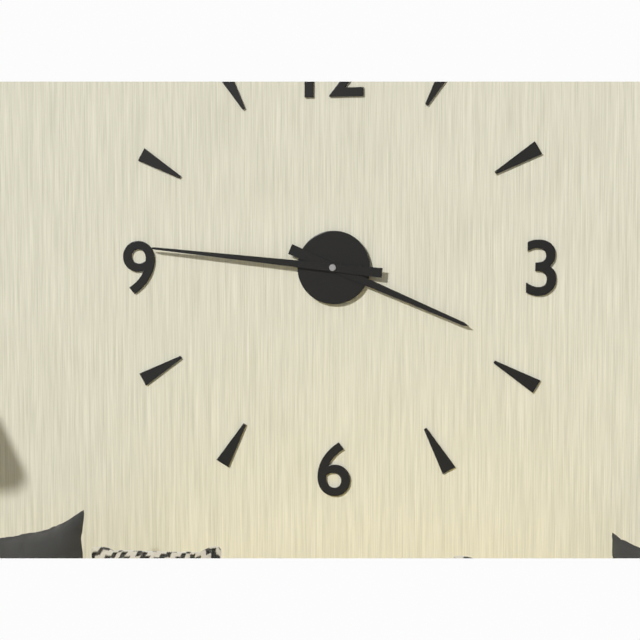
3:46
